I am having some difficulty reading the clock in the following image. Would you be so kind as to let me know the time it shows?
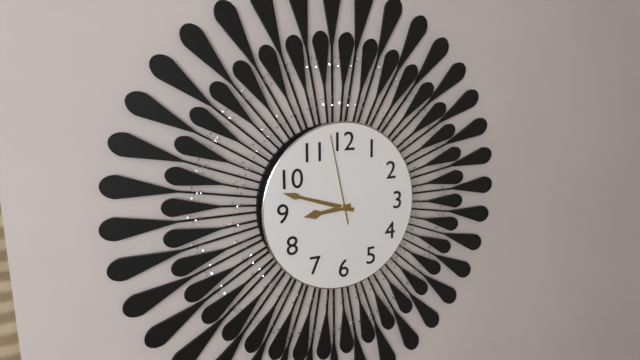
8:48:58
